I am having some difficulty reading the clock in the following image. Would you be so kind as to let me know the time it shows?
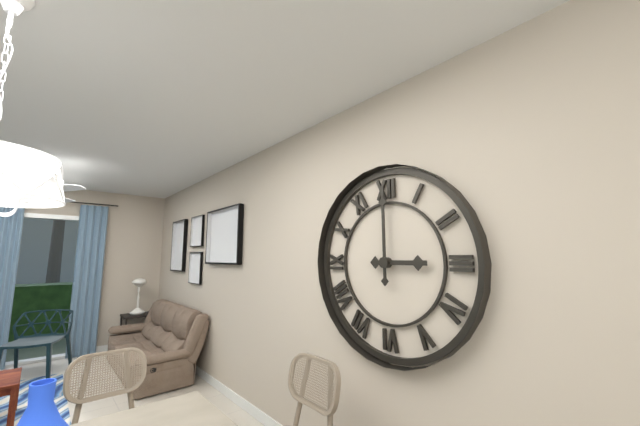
3:00
